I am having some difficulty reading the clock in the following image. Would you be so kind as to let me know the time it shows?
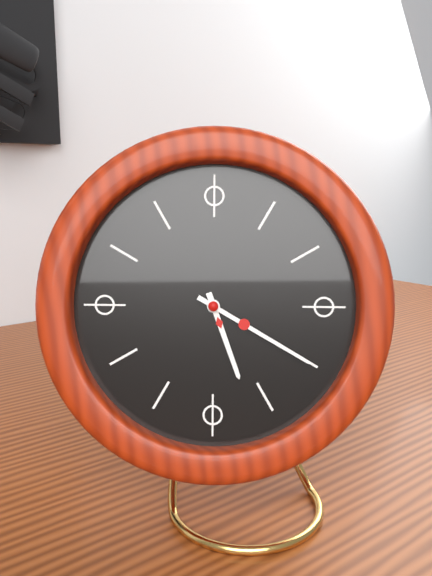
5:20
